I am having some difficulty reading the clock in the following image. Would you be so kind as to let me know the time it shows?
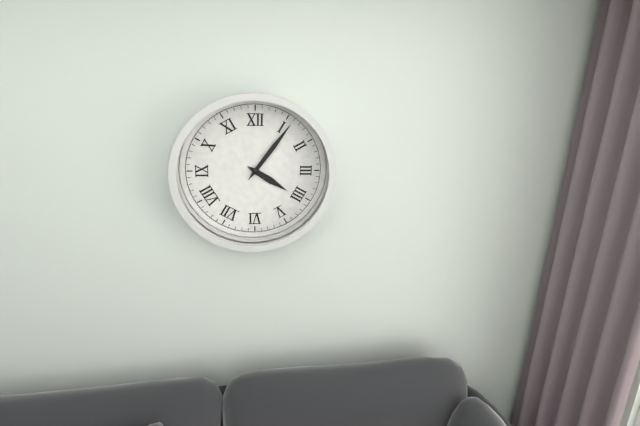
4:06
